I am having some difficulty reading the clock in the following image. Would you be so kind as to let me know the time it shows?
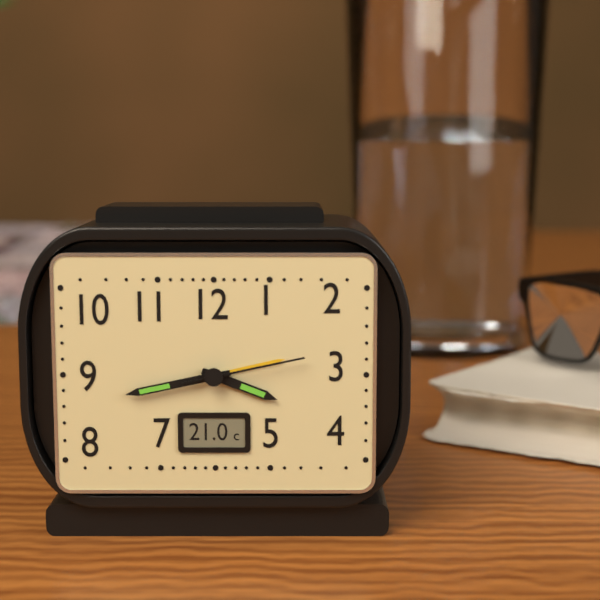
3:43:13
